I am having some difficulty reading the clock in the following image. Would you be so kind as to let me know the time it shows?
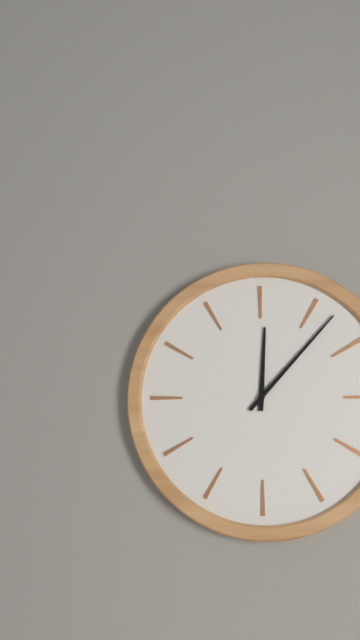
12:07
